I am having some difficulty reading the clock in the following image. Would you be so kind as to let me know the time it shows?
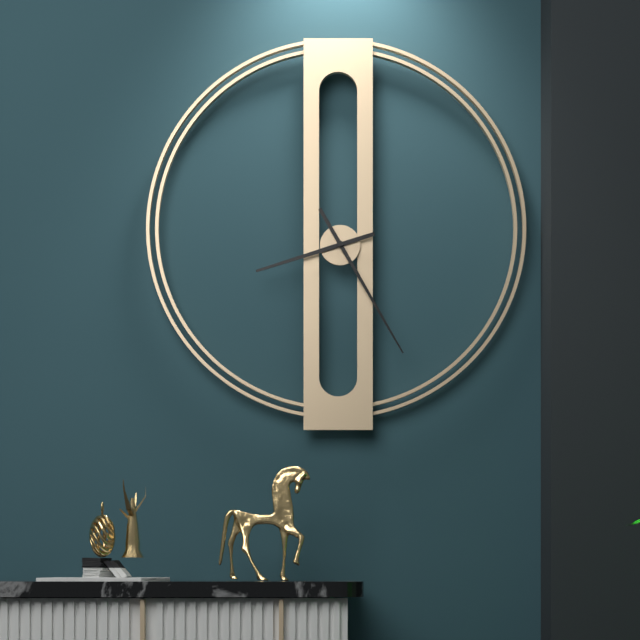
8:25
